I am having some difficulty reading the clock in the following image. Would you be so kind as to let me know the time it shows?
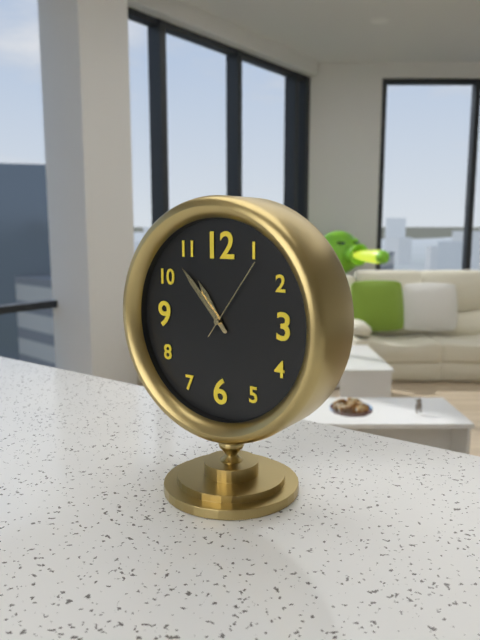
10:53:06
